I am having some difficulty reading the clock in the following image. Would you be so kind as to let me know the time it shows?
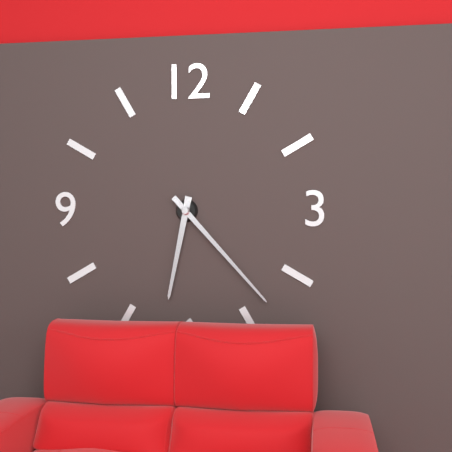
6:23
